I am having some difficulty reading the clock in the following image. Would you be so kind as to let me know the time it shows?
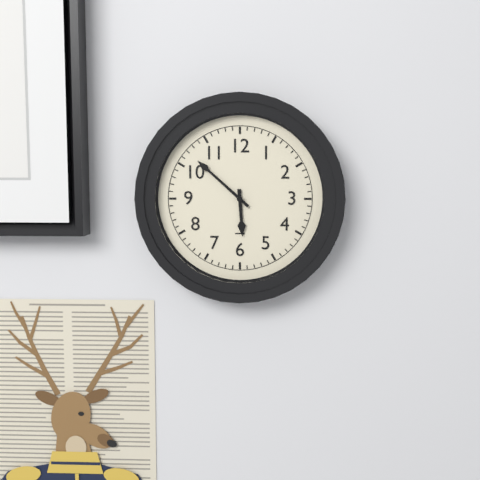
5:52
